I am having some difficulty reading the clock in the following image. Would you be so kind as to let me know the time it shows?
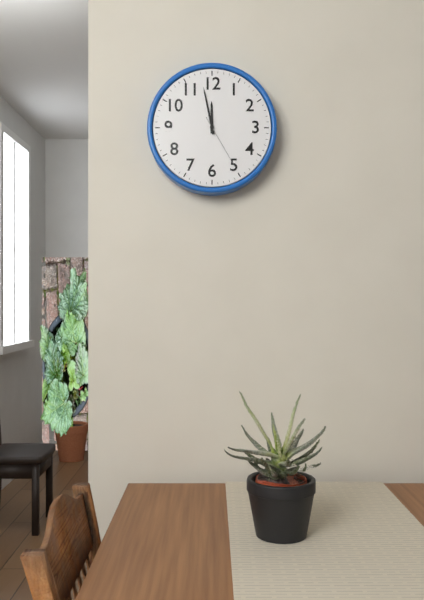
11:58:25
